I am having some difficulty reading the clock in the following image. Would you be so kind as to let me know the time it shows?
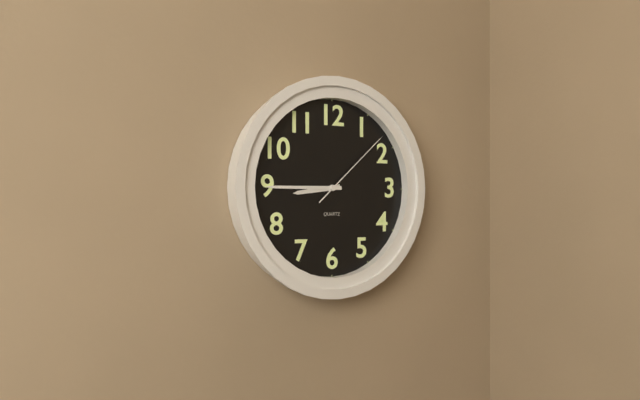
8:45:08
